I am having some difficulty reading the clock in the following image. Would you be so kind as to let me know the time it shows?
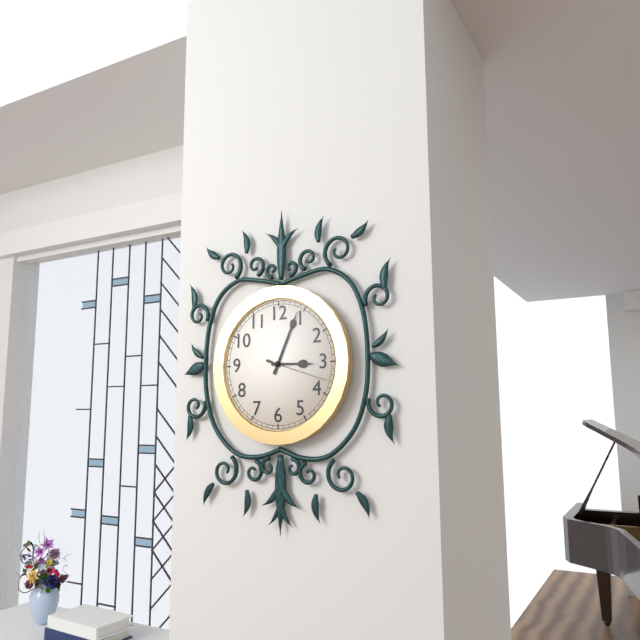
3:04:18
